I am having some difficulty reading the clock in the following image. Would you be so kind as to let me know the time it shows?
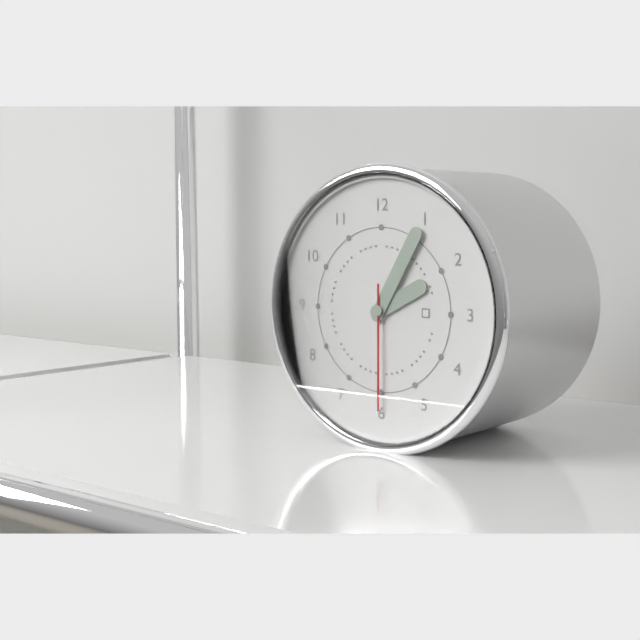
2:05:30
